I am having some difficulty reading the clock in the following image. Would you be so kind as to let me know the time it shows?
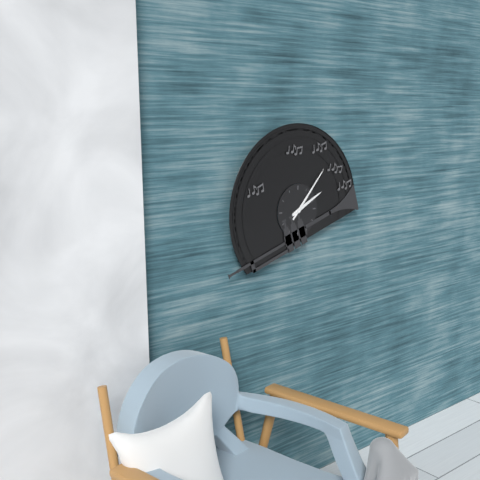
2:07
